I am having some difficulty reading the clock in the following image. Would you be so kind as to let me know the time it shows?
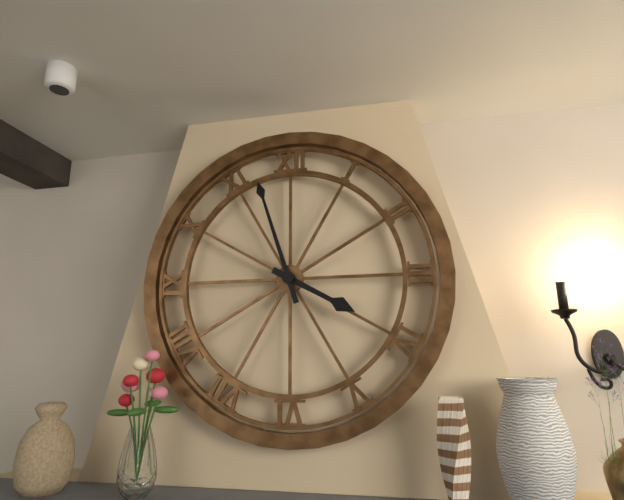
3:57
